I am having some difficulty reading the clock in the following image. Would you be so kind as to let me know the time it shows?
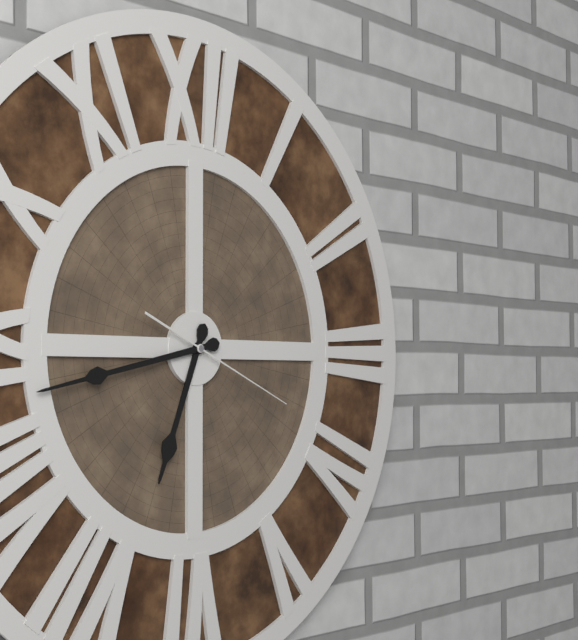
6:43:19
